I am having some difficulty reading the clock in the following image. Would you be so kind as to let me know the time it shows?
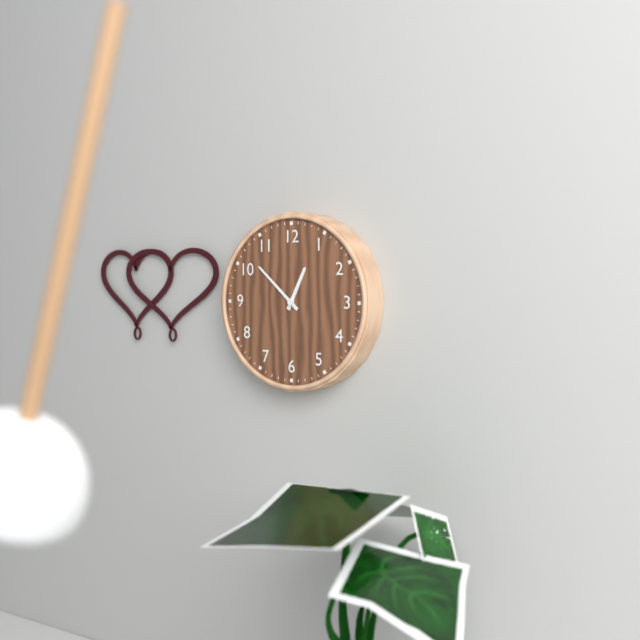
12:52
